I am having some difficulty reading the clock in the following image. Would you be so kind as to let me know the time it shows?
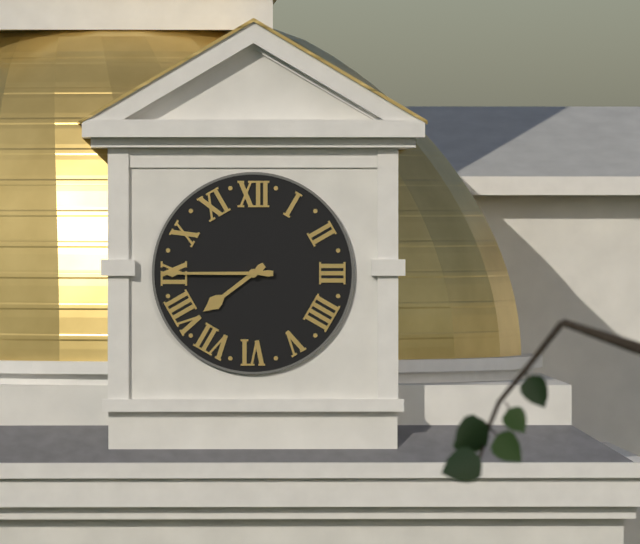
7:45
